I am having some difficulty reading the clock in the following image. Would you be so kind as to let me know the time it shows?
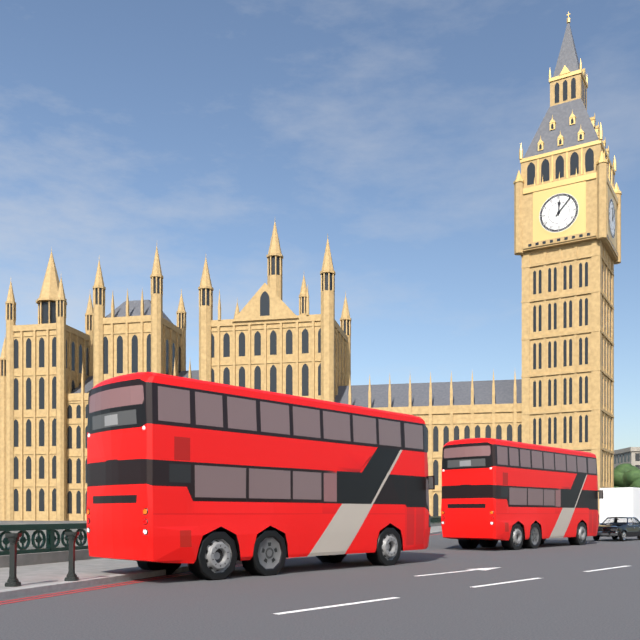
12:07
